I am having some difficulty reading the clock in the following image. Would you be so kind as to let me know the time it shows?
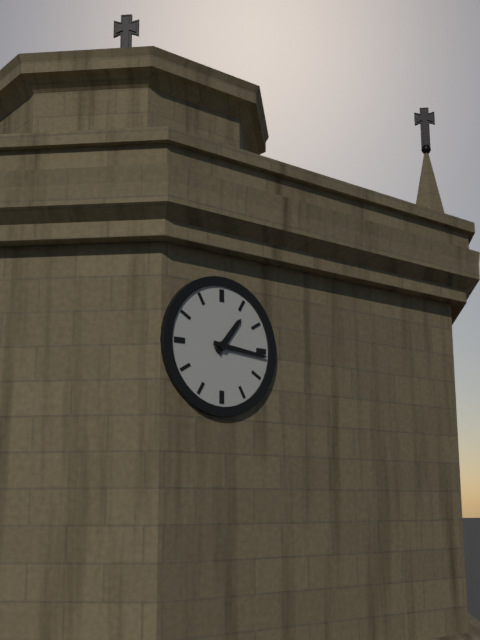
1:16
